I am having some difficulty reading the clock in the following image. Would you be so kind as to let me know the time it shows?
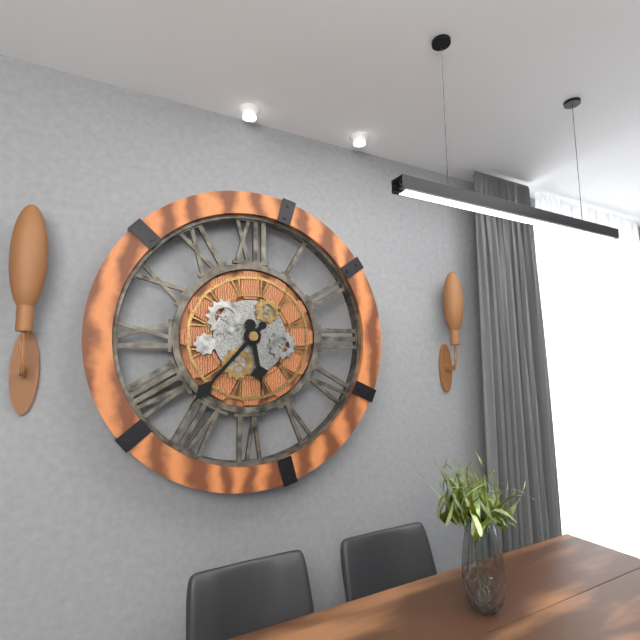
5:37
